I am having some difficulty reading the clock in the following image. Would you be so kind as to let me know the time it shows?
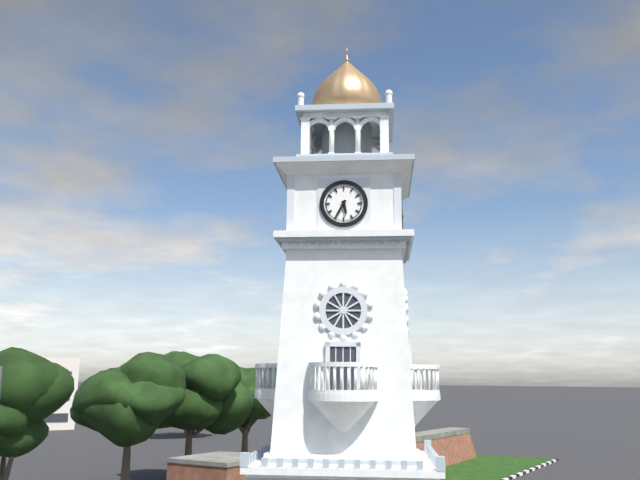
5:35
